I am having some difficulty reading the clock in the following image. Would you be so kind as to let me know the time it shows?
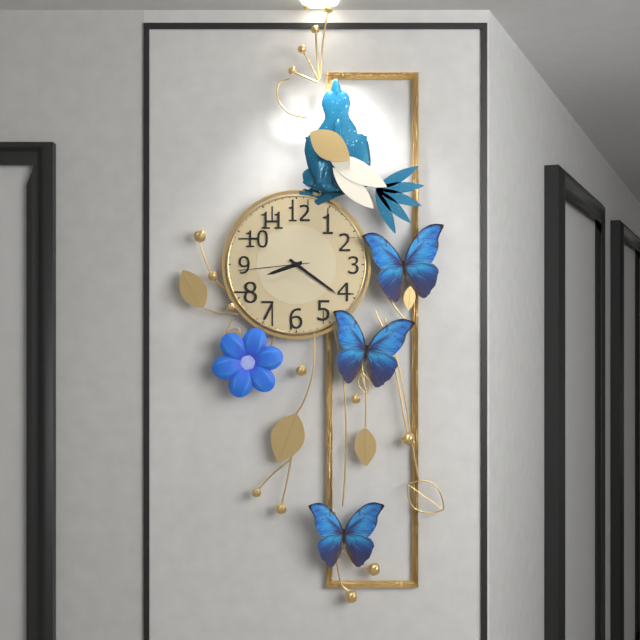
8:21:44
